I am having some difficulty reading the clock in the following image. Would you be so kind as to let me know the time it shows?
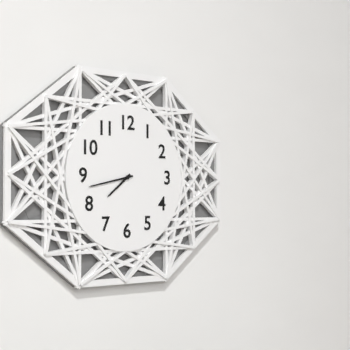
7:43
